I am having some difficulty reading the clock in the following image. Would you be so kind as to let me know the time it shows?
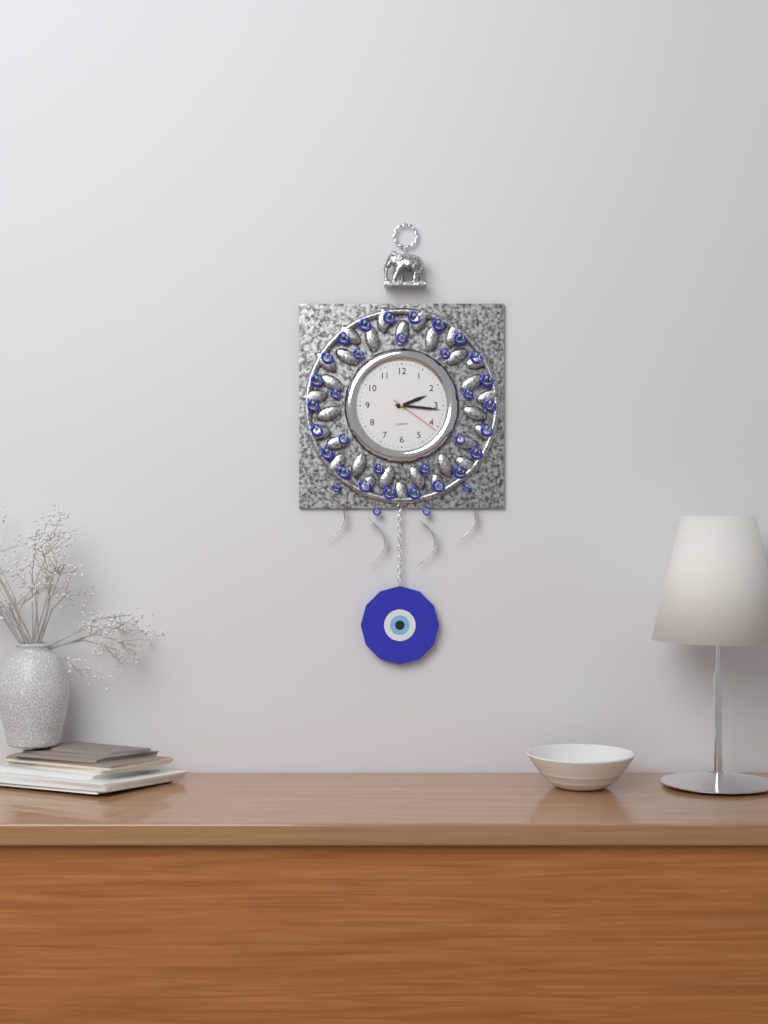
2:16:21
